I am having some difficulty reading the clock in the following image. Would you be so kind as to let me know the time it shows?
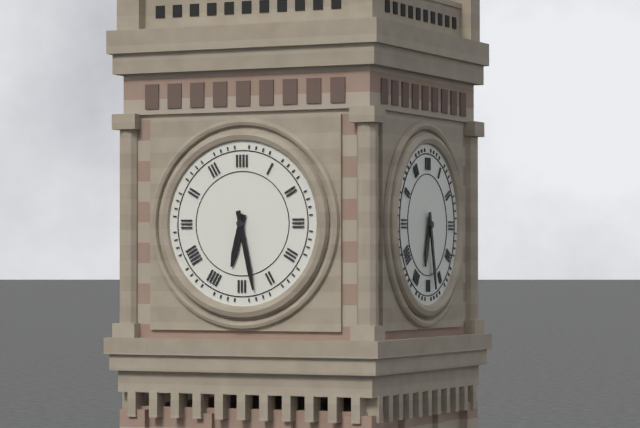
6:28
